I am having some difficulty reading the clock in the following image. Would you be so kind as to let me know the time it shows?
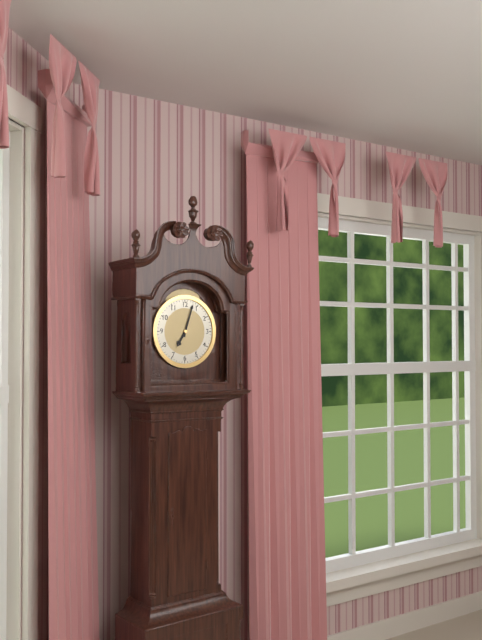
7:03
